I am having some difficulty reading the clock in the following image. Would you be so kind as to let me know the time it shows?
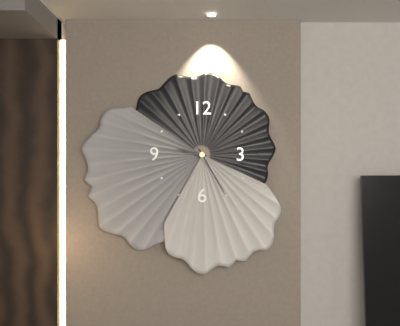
9:25
